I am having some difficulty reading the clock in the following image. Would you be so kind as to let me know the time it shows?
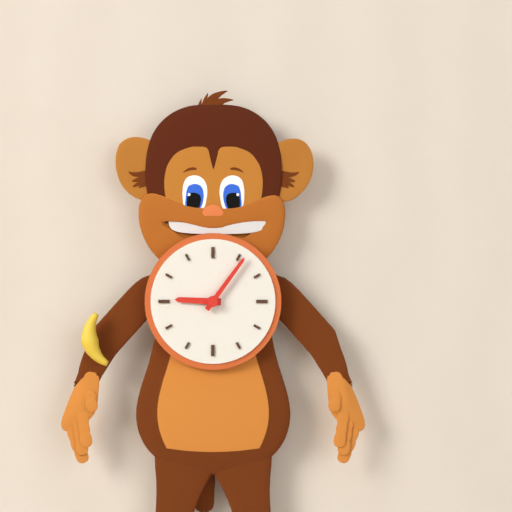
9:06
